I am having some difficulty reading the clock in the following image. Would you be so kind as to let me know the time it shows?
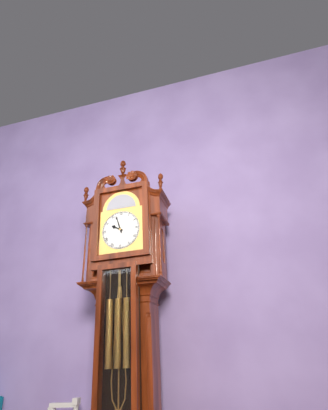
9:57
